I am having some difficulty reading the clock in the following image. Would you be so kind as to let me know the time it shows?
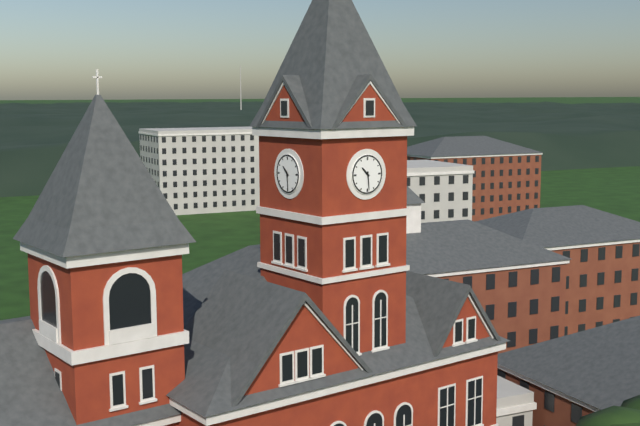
10:29
